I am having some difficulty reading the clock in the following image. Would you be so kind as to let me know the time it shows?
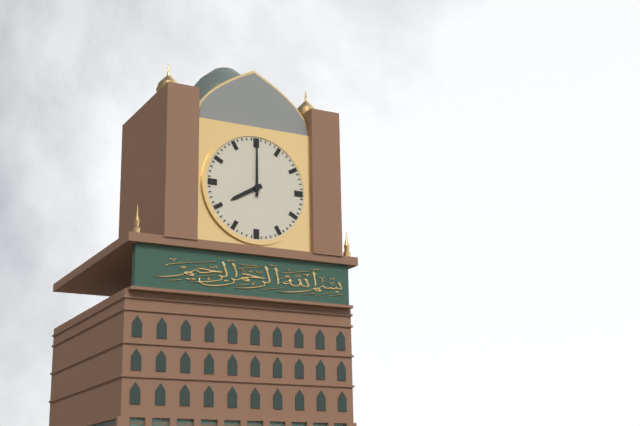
8:00
